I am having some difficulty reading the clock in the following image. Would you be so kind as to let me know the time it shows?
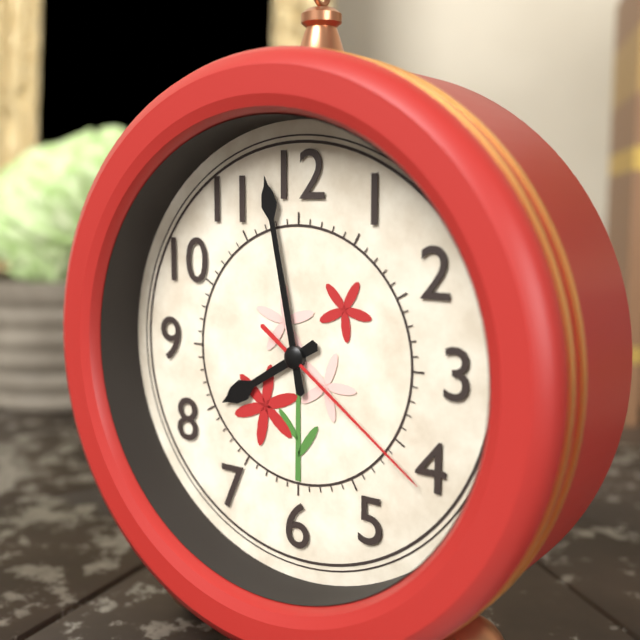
7:58:21
